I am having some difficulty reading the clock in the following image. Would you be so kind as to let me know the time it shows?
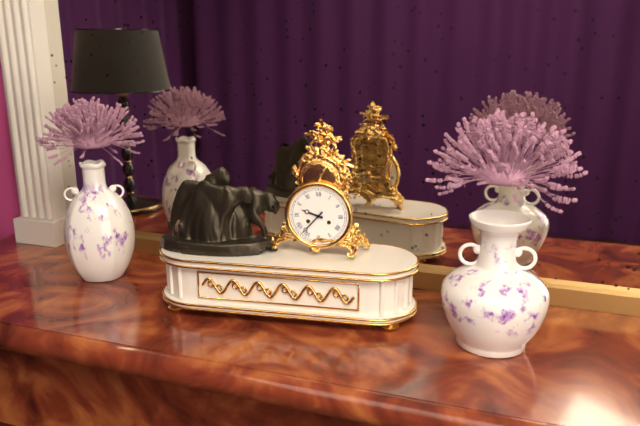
9:37
